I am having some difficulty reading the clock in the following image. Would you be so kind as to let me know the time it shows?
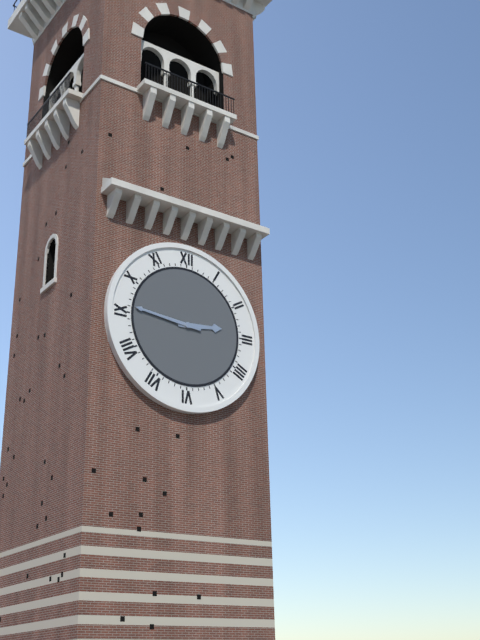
2:46
